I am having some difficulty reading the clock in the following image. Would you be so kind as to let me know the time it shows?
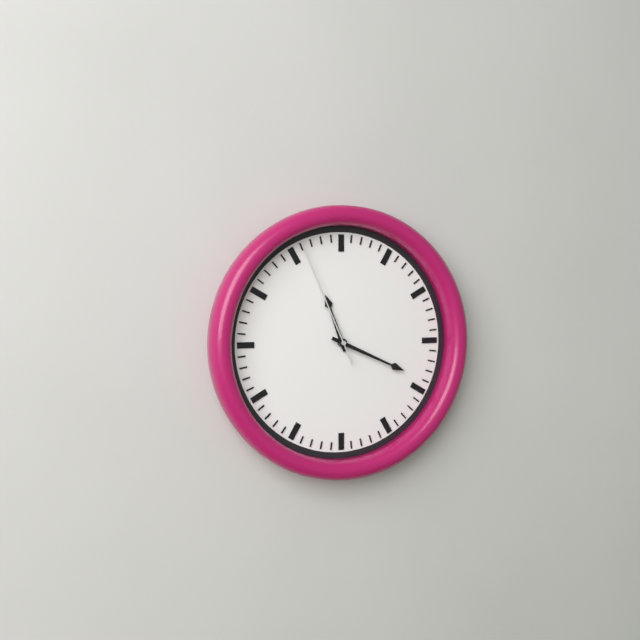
11:19:56
